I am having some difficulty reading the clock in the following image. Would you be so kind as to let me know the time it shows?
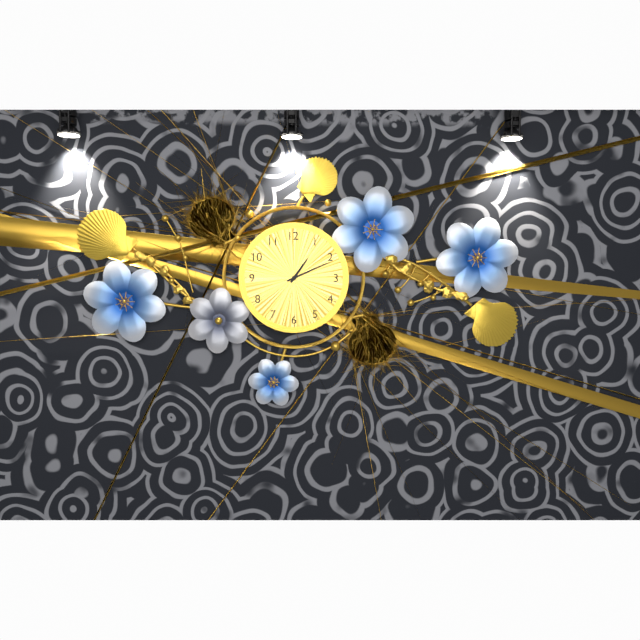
1:11
